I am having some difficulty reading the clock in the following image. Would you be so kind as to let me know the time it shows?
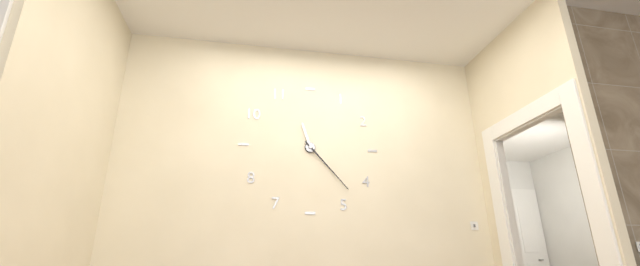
11:23
